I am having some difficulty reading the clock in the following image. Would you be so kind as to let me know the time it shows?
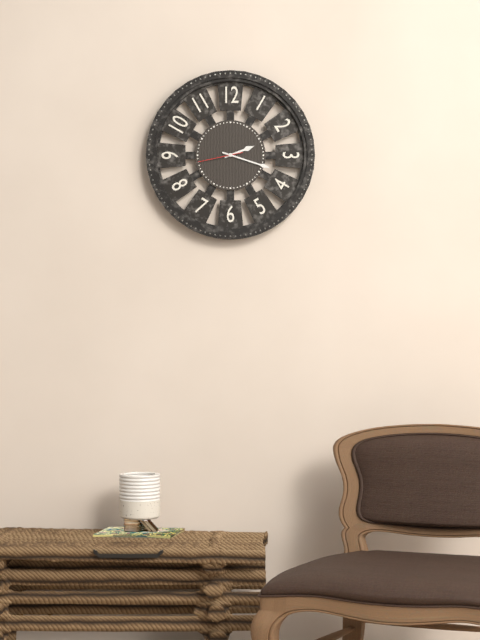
2:18
